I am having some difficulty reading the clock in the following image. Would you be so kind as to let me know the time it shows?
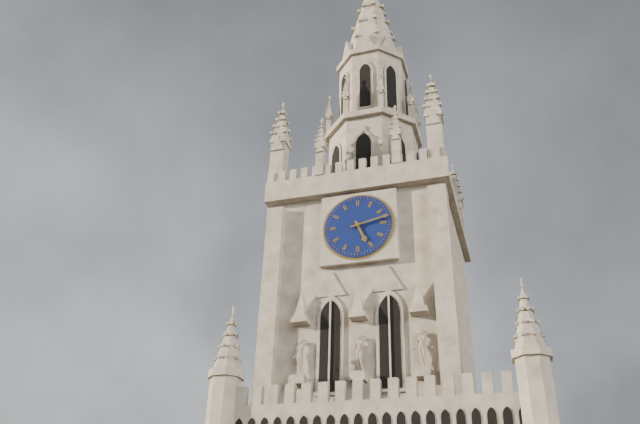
5:13
